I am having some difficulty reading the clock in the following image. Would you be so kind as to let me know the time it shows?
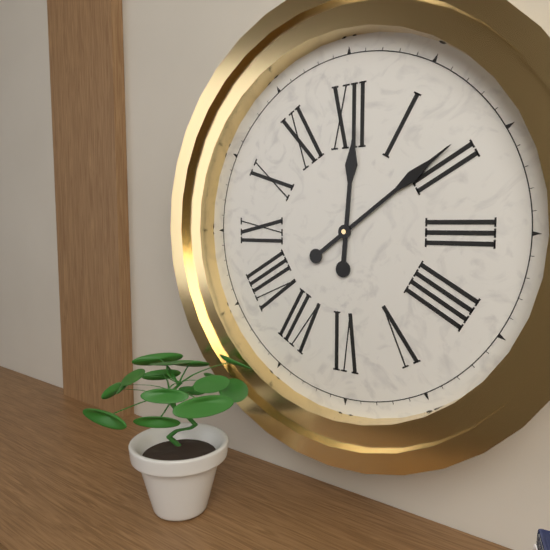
12:09
